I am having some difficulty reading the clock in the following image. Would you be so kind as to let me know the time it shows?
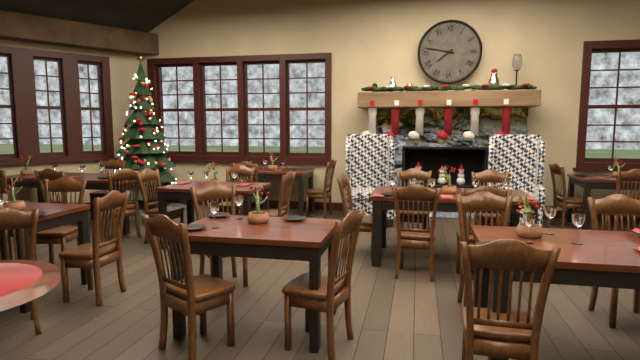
7:47
